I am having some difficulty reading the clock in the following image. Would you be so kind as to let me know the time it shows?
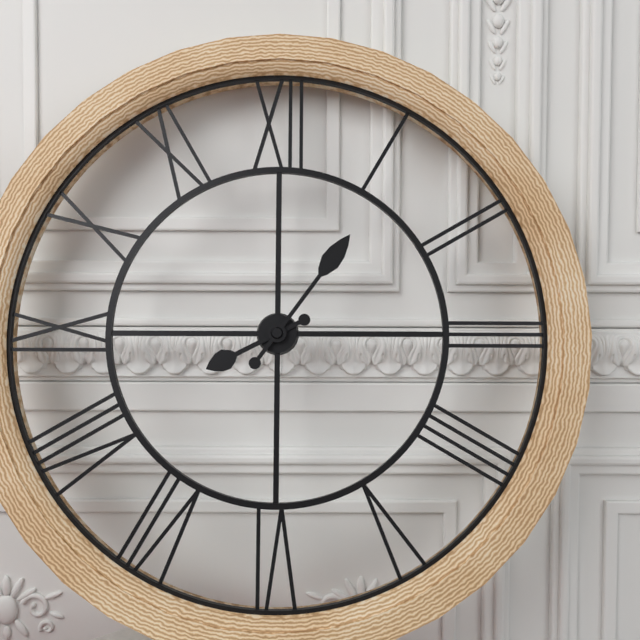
8:06
